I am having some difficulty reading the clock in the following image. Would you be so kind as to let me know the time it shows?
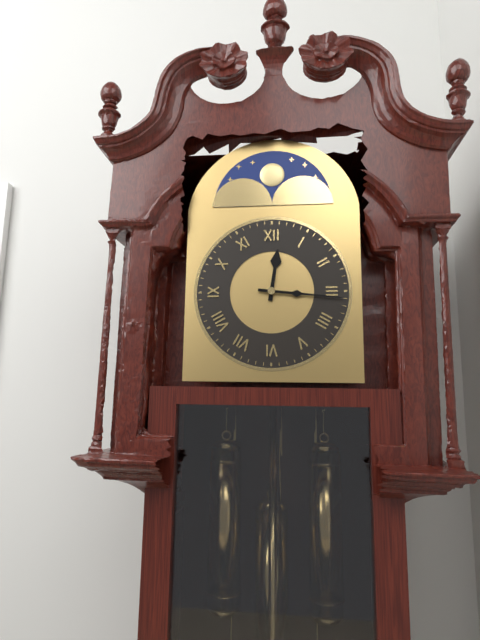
12:16
